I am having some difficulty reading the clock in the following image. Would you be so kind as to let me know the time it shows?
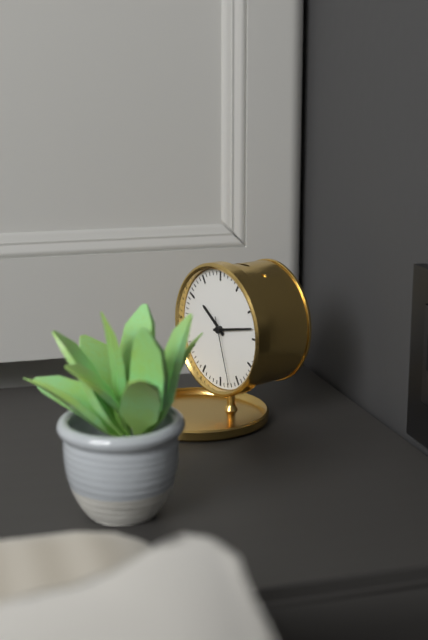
10:13:27
